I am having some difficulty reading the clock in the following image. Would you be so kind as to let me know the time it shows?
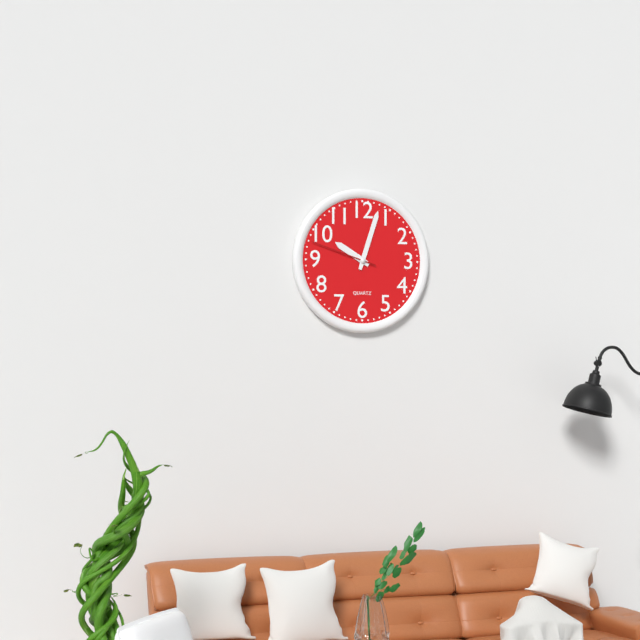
10:03:48
